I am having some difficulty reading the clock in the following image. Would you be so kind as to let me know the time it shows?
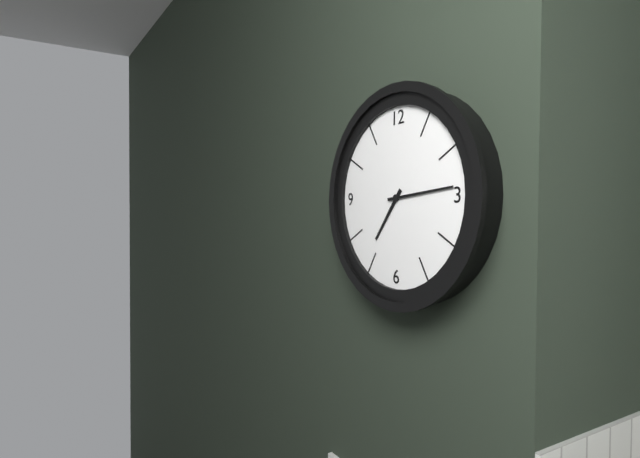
7:14
